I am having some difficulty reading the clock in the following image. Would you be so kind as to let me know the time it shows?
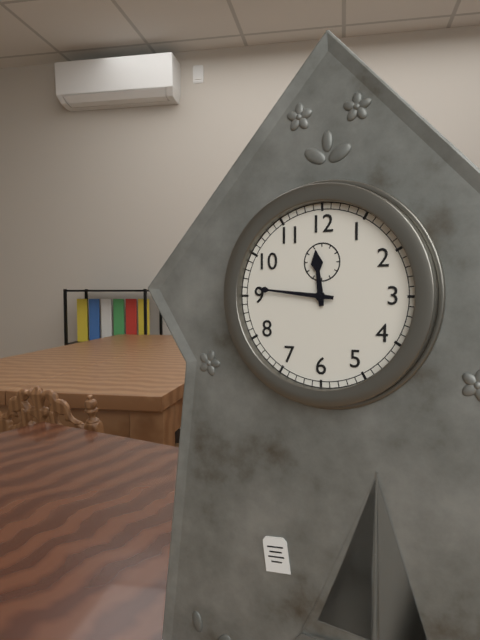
11:46
